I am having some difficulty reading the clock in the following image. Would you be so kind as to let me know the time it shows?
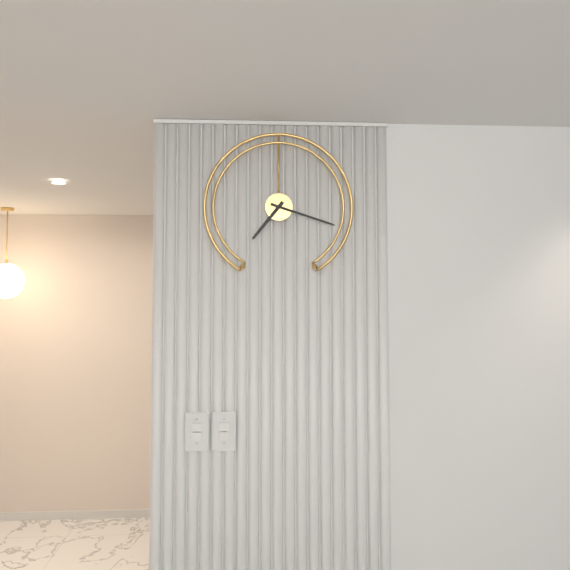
7:18
